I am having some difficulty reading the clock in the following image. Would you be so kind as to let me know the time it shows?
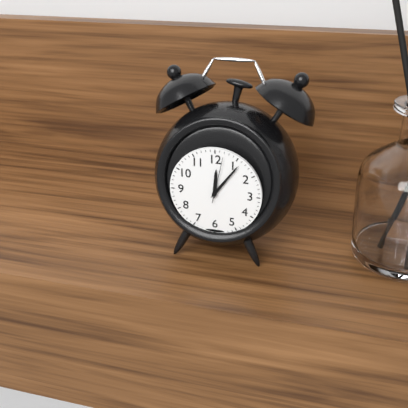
12:06
